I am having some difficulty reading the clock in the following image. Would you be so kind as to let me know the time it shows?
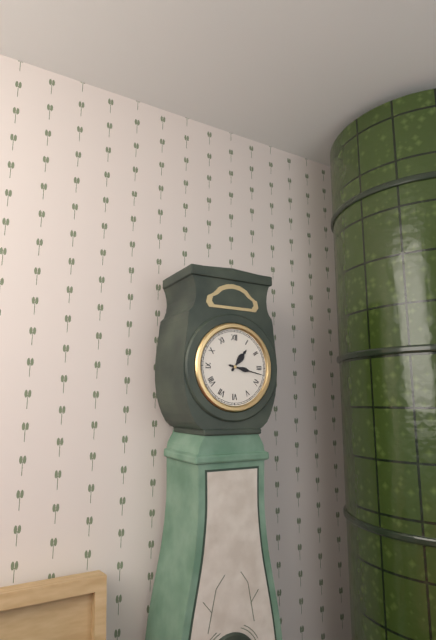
1:17
